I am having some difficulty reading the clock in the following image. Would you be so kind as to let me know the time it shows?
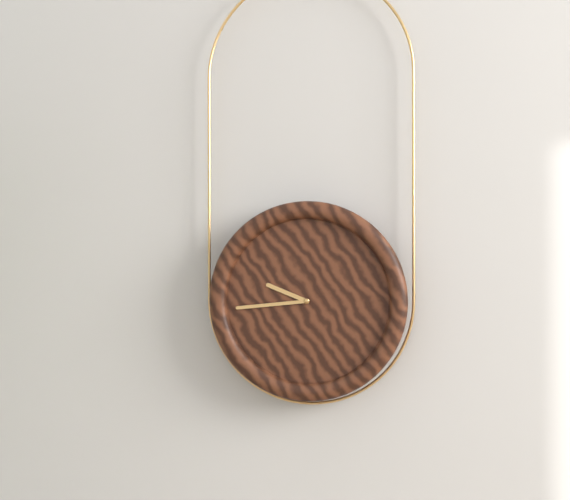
9:44
